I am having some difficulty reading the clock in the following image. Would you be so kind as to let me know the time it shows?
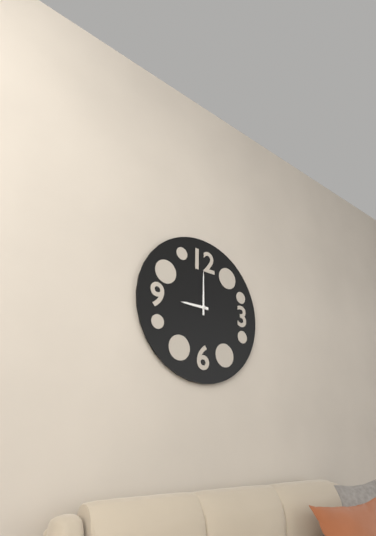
9:00
